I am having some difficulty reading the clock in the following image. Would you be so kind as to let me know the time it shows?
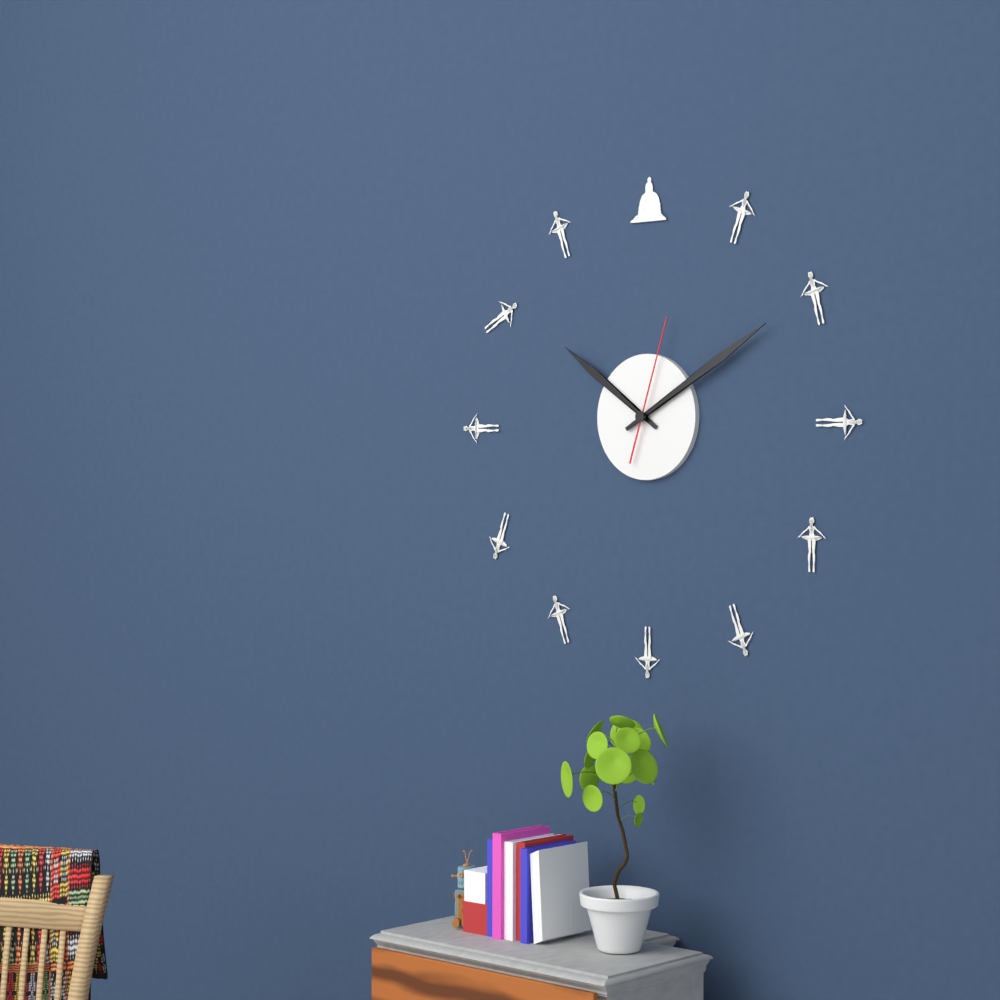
10:10:03
